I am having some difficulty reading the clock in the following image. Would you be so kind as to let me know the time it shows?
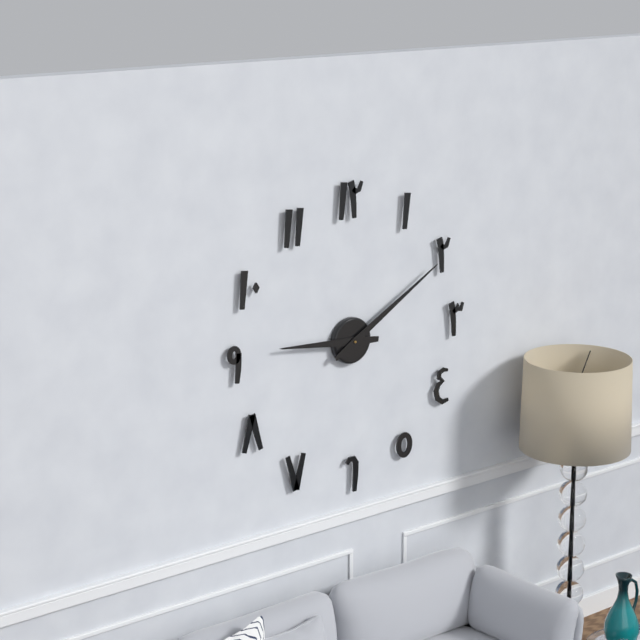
9:10
